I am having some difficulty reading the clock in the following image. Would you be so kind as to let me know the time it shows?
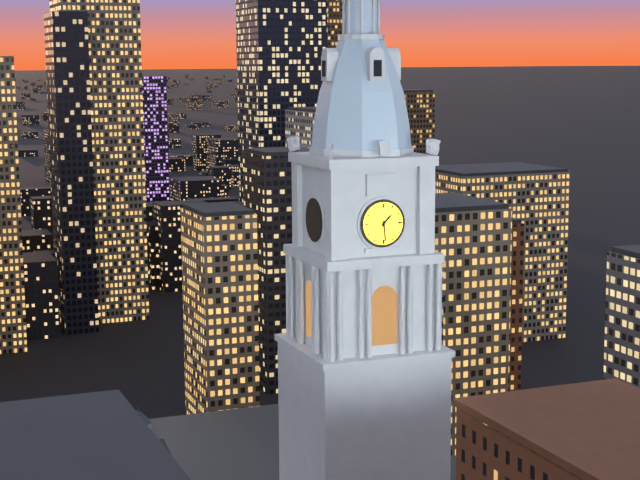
1:29
